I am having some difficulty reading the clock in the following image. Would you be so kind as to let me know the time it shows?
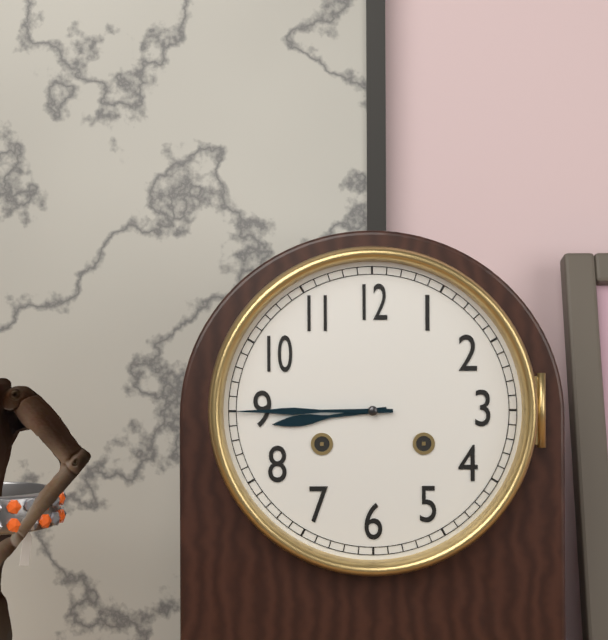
8:45
